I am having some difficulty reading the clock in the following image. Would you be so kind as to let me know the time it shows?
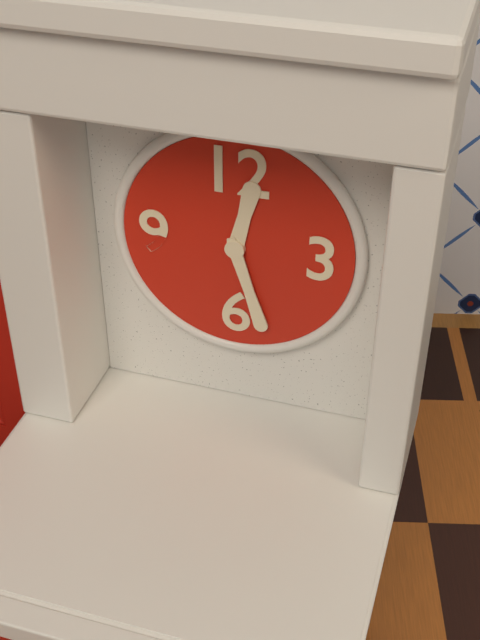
12:27
